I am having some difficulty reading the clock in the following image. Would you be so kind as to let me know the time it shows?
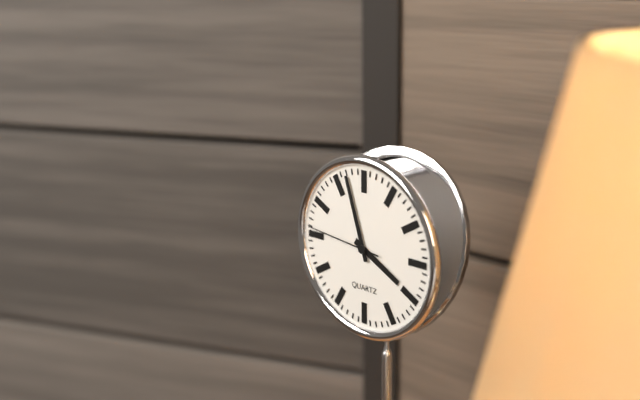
3:57:46
